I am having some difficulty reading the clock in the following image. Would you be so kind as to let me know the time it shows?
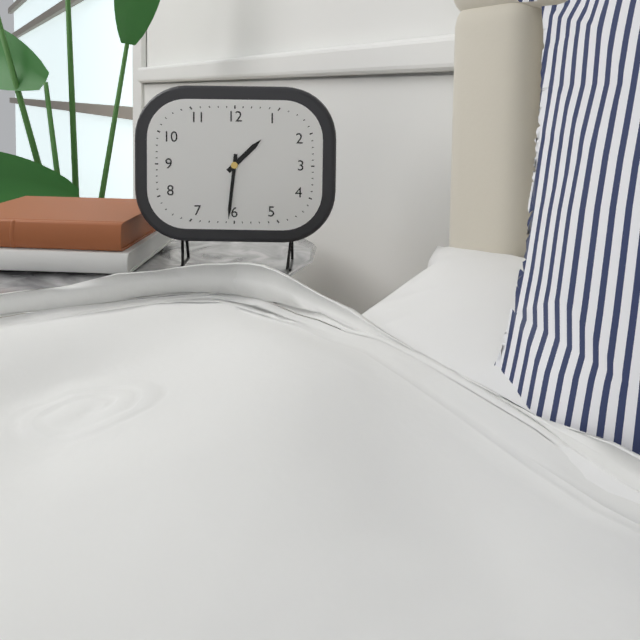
1:31
